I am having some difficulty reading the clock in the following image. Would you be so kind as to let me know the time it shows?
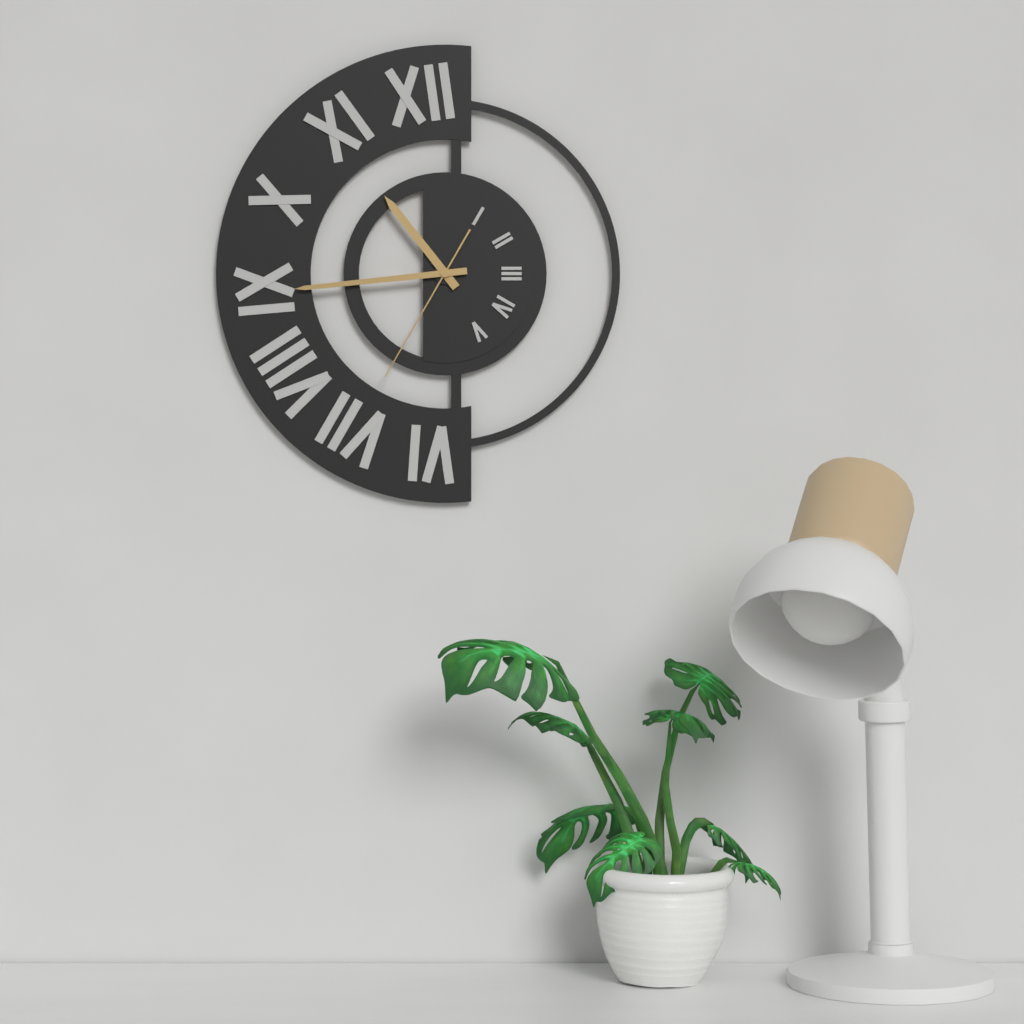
10:44:35
